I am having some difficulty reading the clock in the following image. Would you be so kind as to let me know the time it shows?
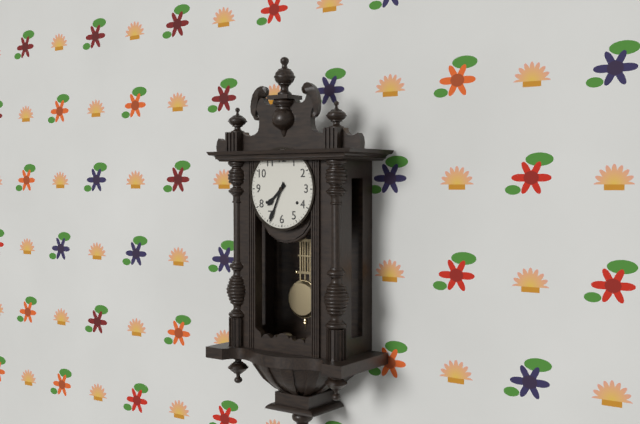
7:34
